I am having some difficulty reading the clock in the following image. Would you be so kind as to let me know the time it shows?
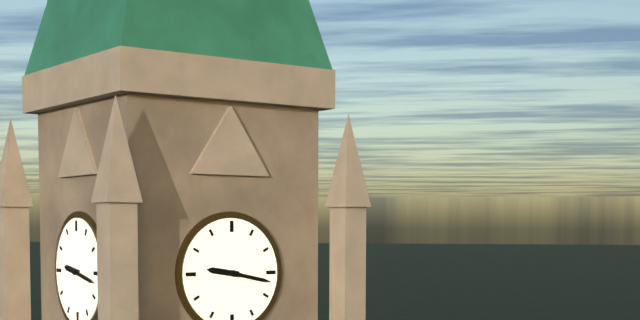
9:17
